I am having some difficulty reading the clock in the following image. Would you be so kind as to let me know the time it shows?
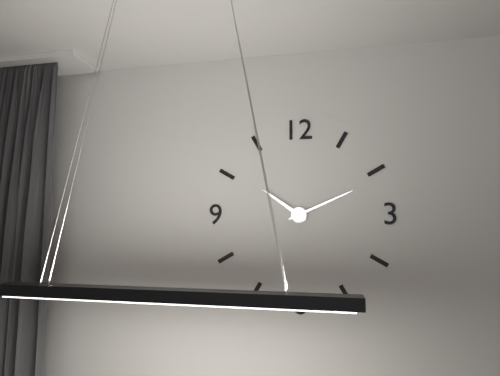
10:11
